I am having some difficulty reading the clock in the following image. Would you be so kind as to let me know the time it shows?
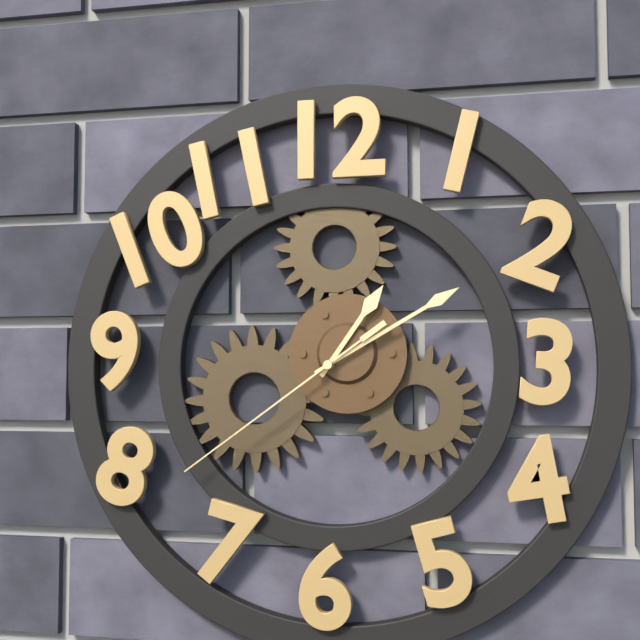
1:10:39
